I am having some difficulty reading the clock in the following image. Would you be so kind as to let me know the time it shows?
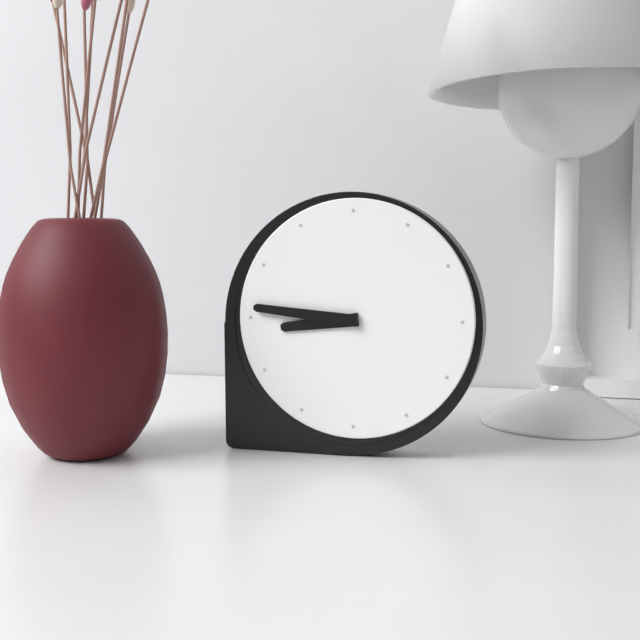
8:46
